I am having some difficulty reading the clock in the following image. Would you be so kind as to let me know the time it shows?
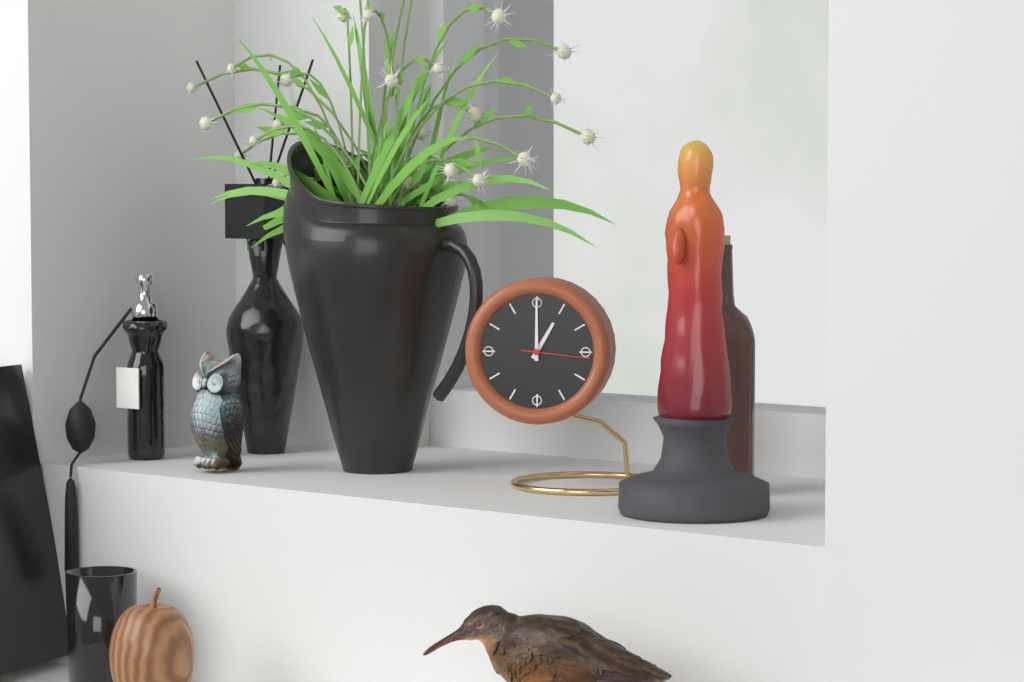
1:00:16
